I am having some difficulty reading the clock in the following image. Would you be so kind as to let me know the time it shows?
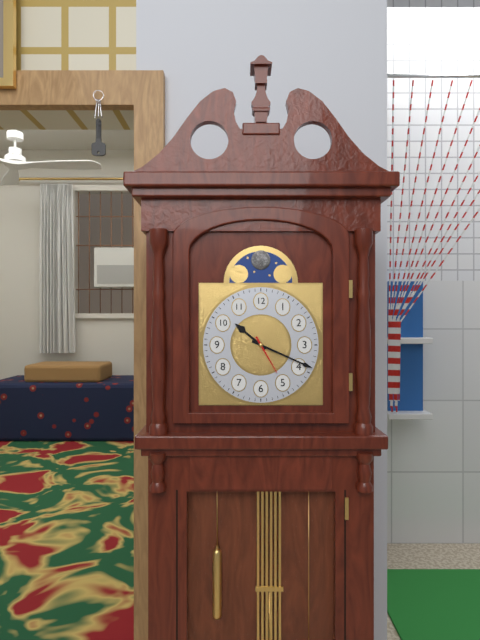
10:19
